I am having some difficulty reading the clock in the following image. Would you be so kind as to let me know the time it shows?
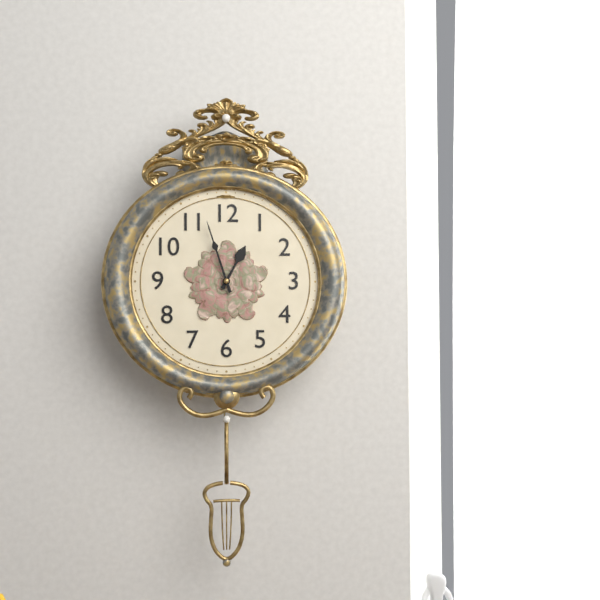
12:57
